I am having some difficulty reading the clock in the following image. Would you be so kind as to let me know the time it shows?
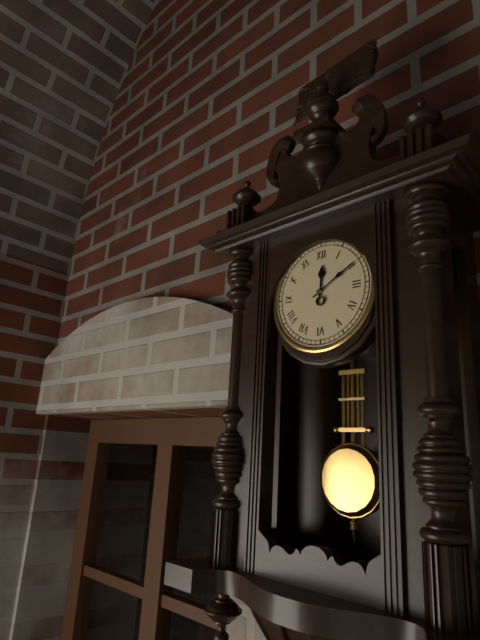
12:10
